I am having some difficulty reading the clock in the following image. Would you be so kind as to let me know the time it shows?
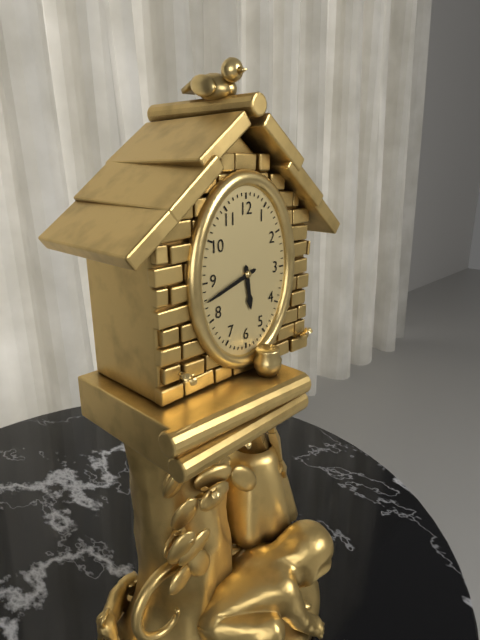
5:42
